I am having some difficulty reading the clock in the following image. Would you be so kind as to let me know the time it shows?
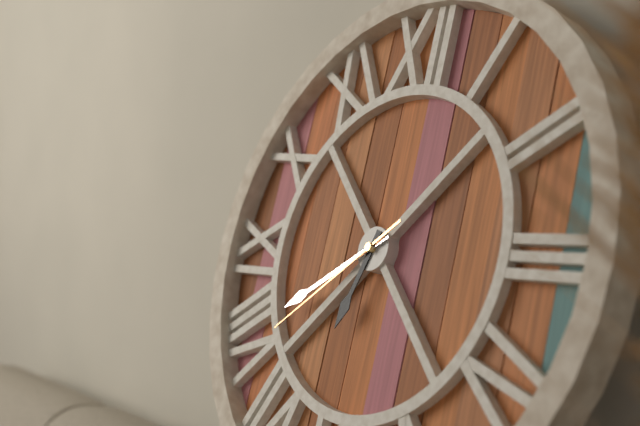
6:40:39
